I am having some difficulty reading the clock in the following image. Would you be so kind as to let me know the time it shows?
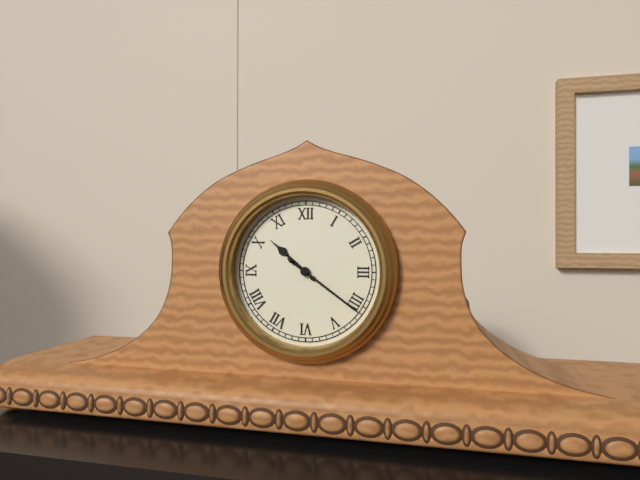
10:21
